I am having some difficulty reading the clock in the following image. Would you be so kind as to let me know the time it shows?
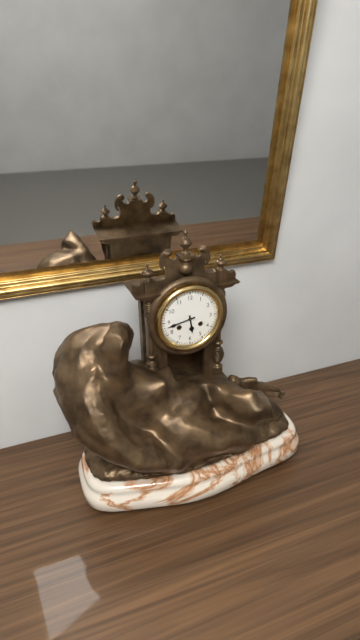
5:43
